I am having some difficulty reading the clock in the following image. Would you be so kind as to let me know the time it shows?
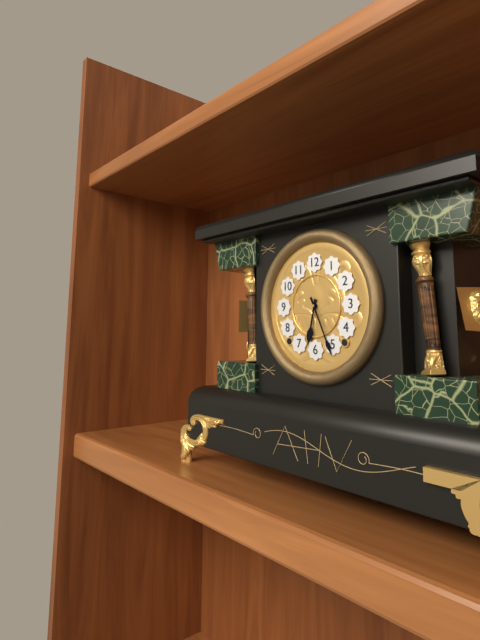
6:26
